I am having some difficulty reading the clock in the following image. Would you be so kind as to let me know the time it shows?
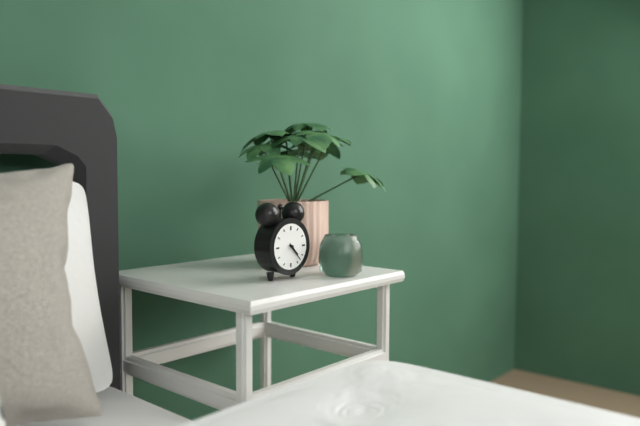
4:23
